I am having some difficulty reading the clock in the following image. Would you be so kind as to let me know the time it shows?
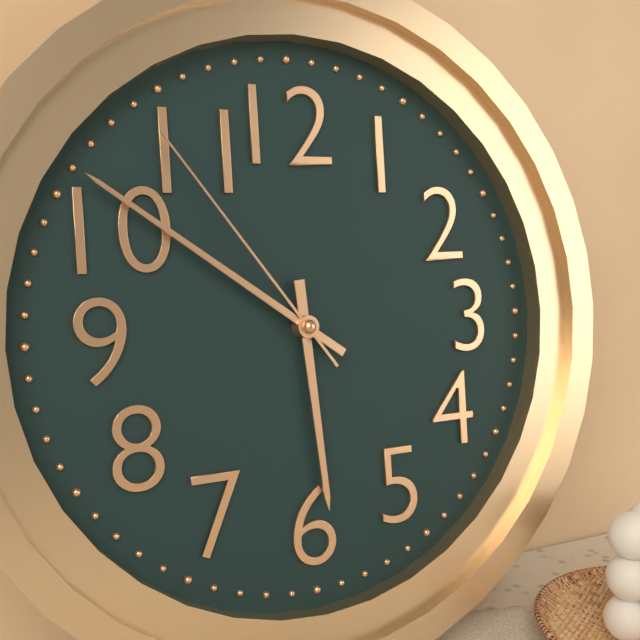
5:51:54
